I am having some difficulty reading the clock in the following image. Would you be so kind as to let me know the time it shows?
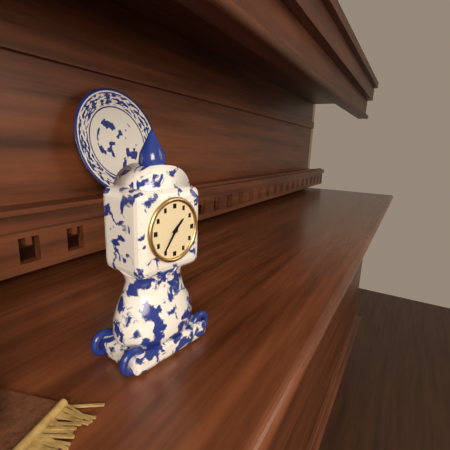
1:36
